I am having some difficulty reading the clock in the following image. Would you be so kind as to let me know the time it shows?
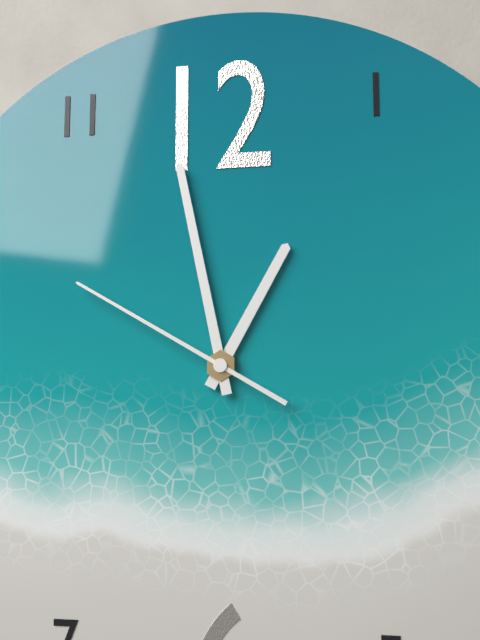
12:58:50
